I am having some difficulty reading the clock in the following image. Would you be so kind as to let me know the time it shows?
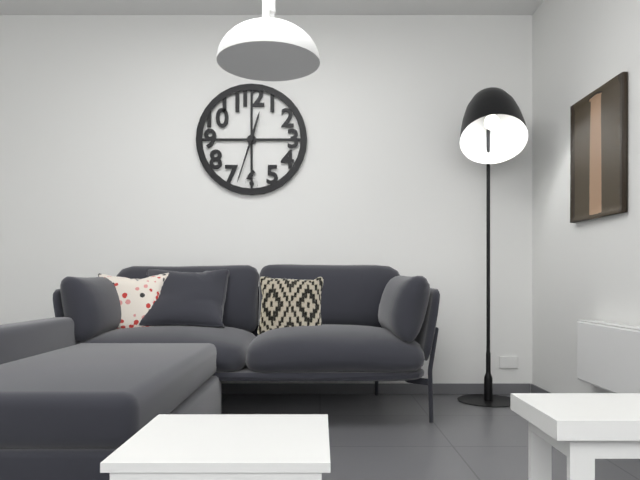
12:33
